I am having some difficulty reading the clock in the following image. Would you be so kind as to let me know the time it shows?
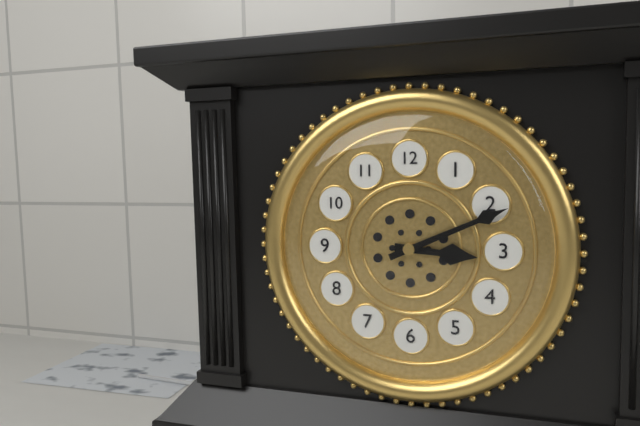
3:11
